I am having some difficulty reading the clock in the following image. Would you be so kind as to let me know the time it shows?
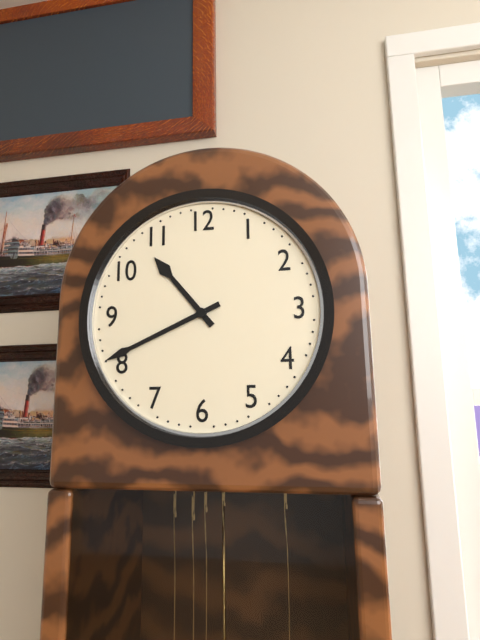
10:41
